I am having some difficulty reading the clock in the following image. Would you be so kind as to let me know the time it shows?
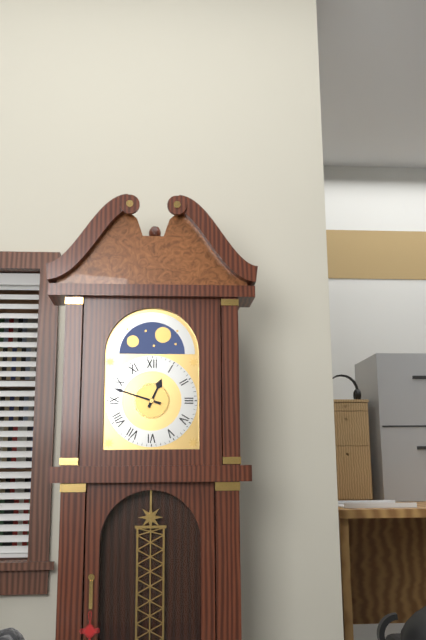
12:48
